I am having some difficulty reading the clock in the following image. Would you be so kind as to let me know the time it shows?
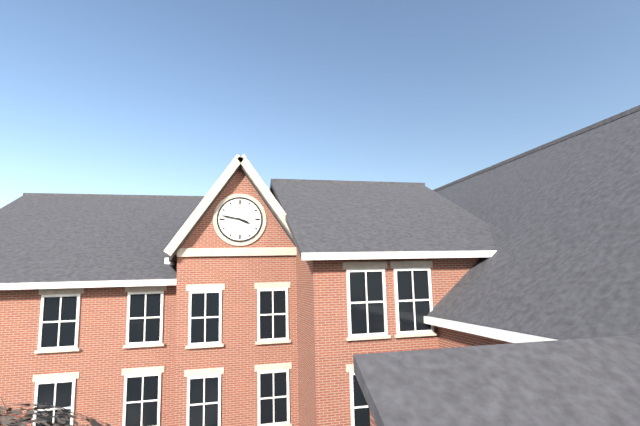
3:47
